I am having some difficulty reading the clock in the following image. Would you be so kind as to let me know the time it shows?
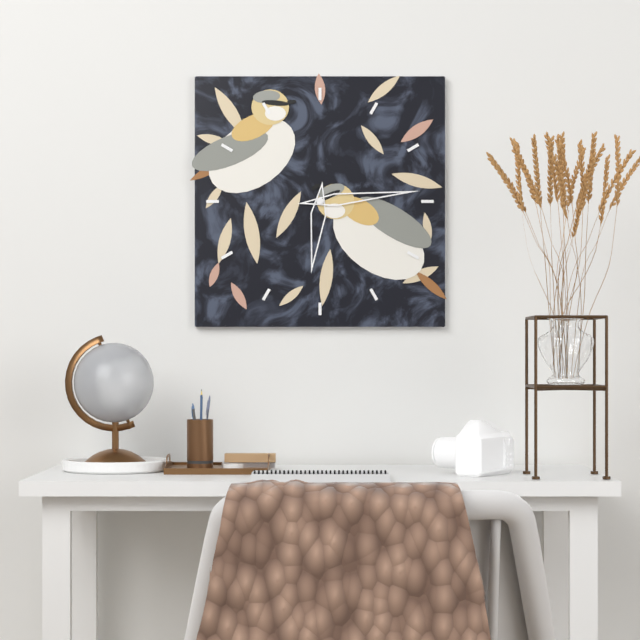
6:14
